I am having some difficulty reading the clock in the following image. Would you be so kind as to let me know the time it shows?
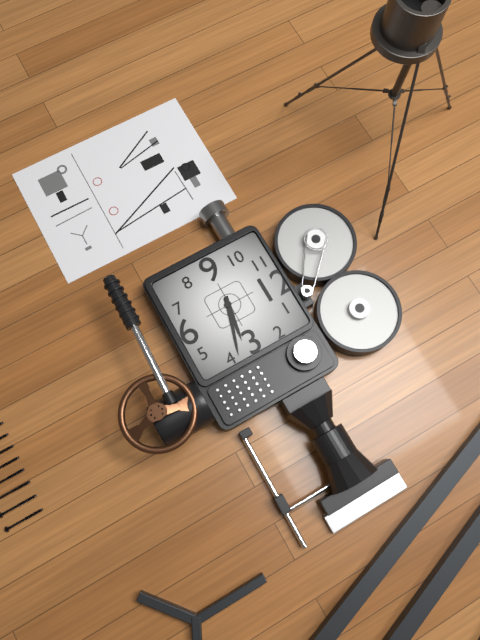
3:18
